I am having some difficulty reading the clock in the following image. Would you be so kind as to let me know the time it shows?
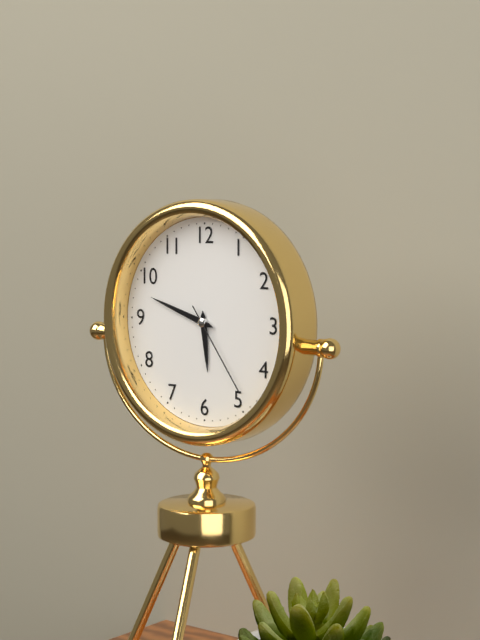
5:48:24
